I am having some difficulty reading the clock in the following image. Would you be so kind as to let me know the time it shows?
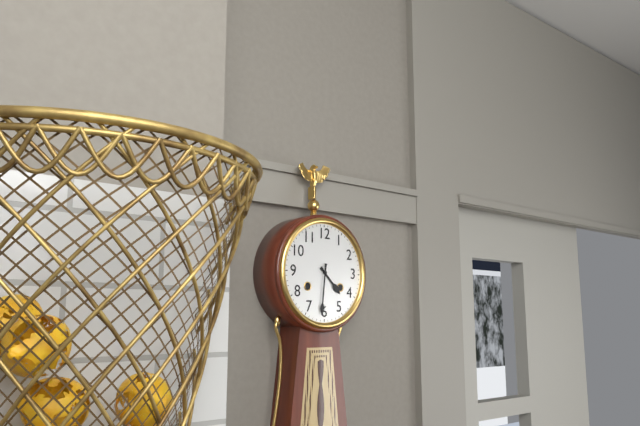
4:31
